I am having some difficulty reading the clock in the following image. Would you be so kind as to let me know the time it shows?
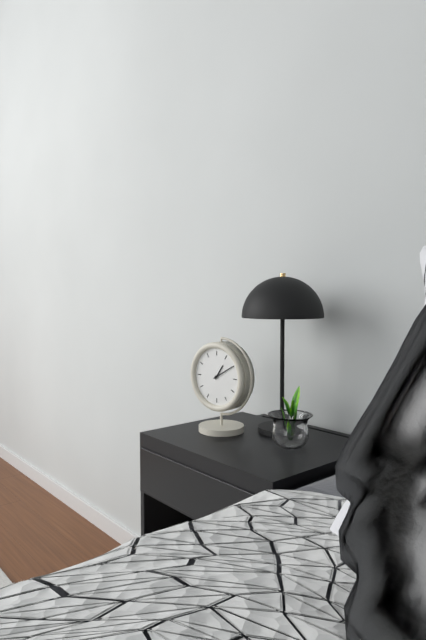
1:10
